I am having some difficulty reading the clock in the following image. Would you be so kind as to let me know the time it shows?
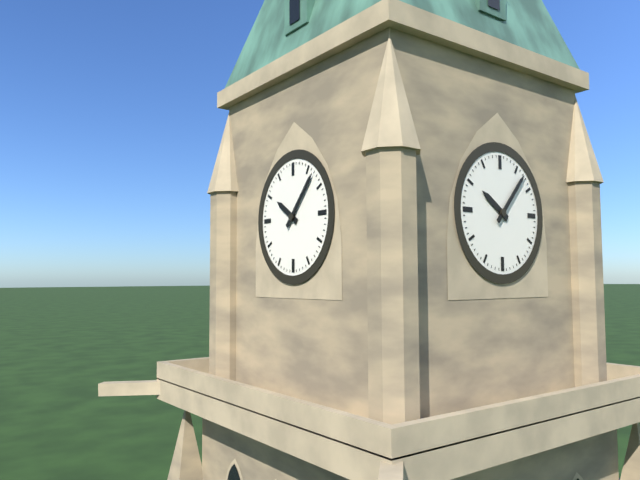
10:07
